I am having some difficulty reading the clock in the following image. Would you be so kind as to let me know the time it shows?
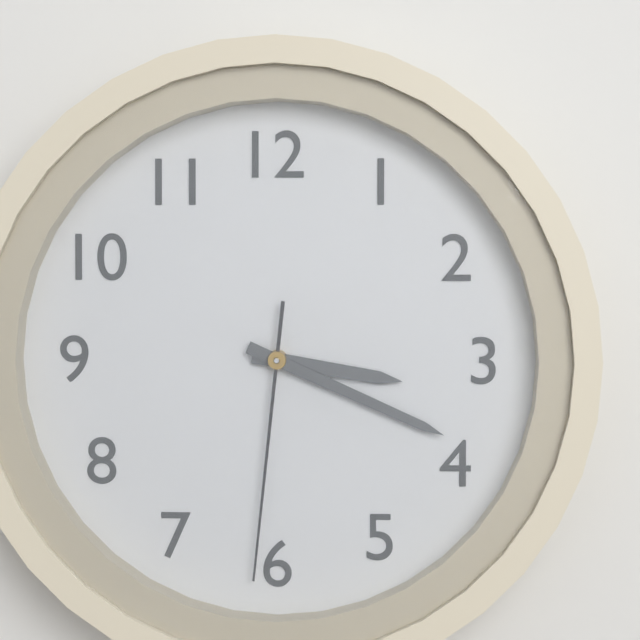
3:19:31
